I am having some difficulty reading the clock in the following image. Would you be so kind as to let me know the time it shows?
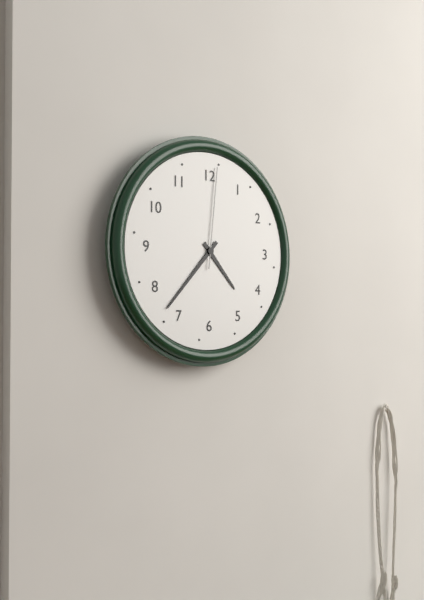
4:37:01
